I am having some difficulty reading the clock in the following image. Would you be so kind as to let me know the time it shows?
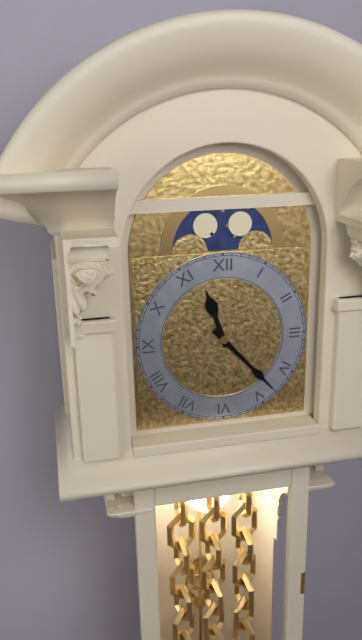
11:23
